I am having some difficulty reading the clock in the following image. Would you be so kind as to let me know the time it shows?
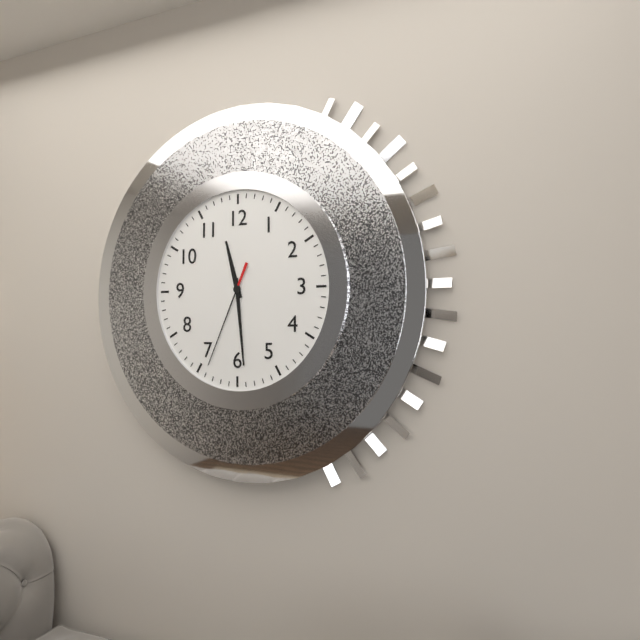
11:29:34
